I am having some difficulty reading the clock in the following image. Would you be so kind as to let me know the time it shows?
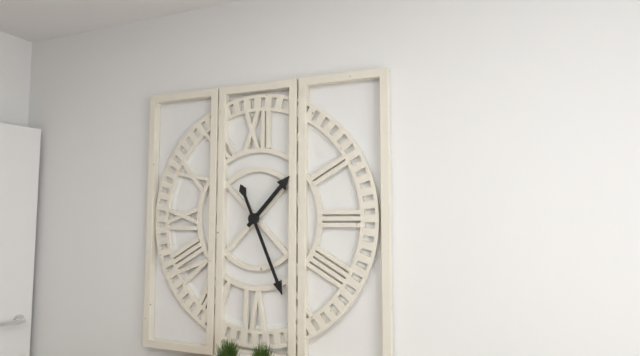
1:26
